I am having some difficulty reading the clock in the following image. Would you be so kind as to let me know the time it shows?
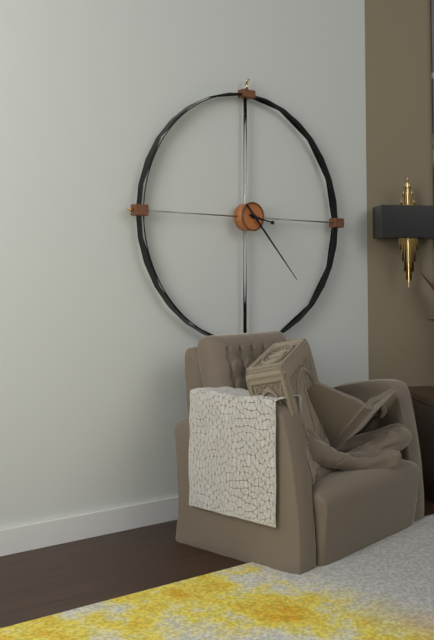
3:23
